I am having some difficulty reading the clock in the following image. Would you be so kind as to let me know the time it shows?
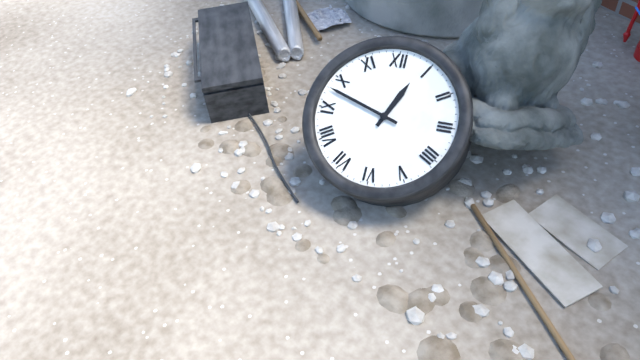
12:48
